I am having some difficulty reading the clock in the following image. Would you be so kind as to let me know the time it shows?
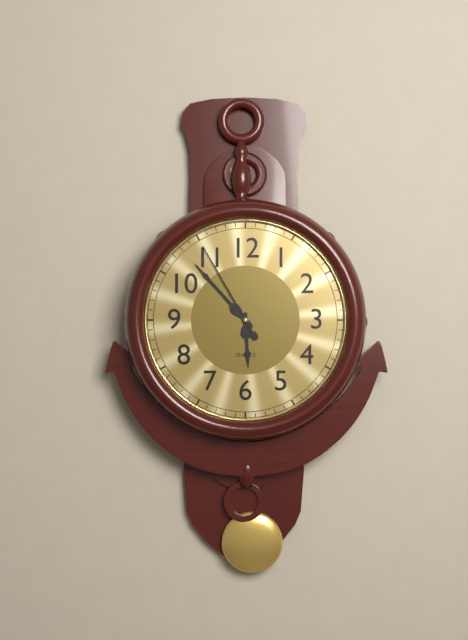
5:53:55
